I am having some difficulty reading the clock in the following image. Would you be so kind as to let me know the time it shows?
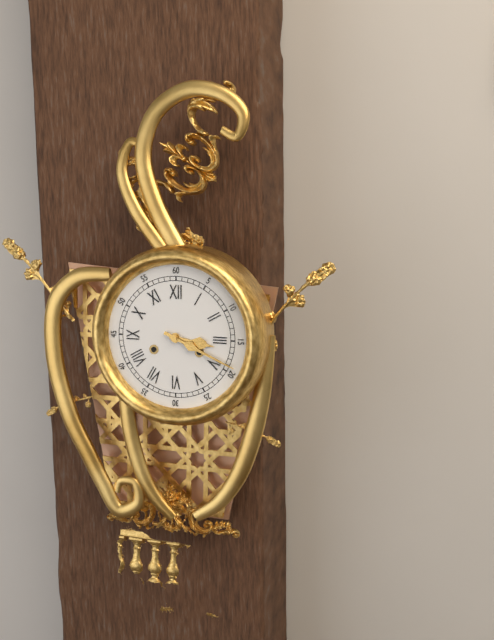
3:19
